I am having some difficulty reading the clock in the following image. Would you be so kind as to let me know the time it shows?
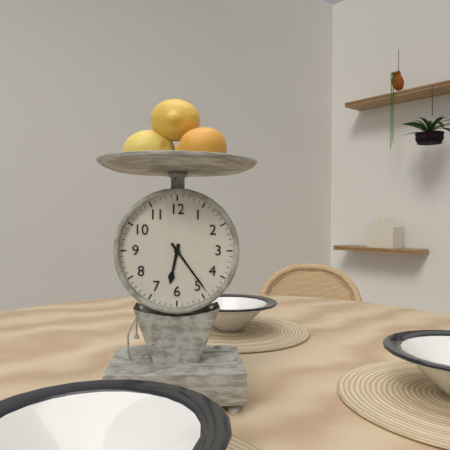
6:24
